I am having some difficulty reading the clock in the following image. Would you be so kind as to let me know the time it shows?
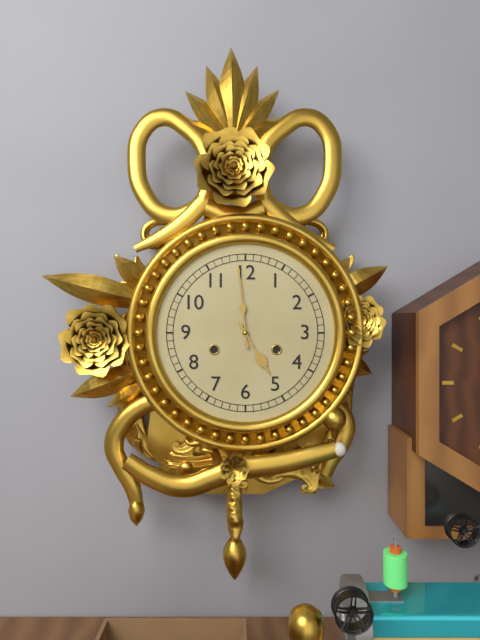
4:59
